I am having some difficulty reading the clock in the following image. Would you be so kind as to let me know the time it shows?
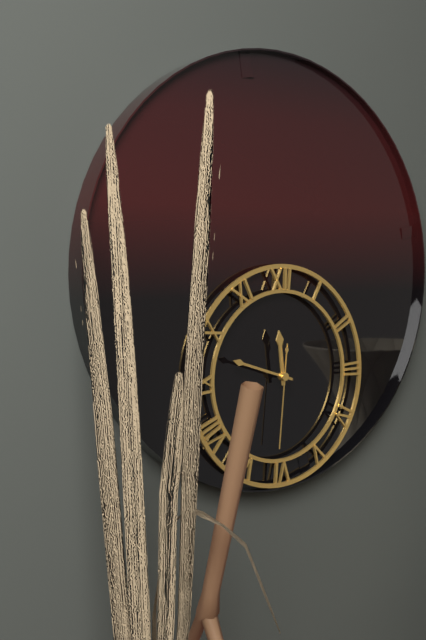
11:48:31
